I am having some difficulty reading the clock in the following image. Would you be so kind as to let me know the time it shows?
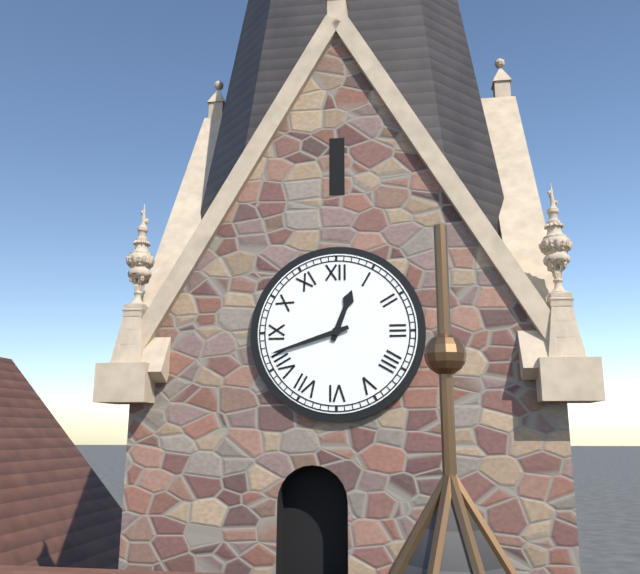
12:42
